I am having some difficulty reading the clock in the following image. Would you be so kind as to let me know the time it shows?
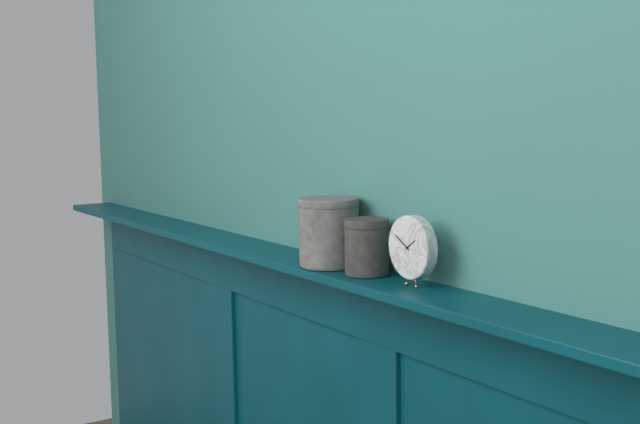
1:50
